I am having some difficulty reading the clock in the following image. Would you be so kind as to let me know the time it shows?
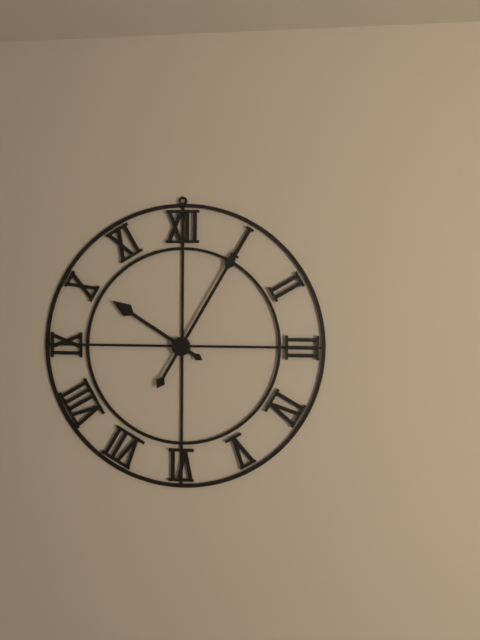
10:05
